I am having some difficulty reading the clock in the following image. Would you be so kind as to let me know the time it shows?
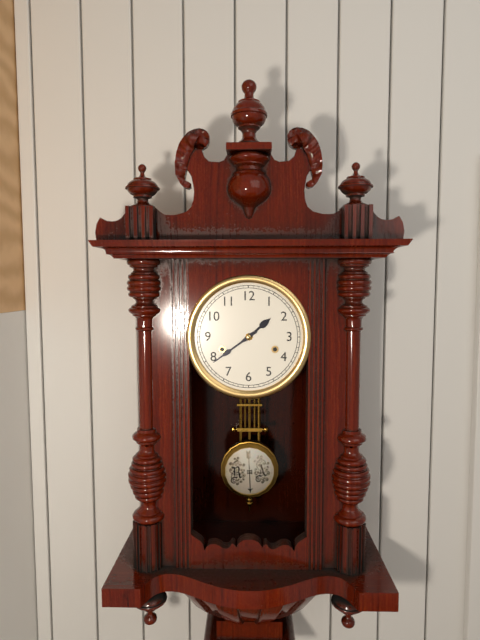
1:39
